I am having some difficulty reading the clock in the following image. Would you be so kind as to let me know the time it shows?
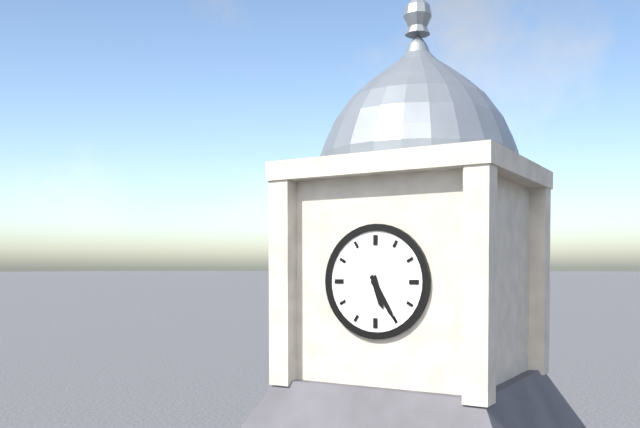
5:25
